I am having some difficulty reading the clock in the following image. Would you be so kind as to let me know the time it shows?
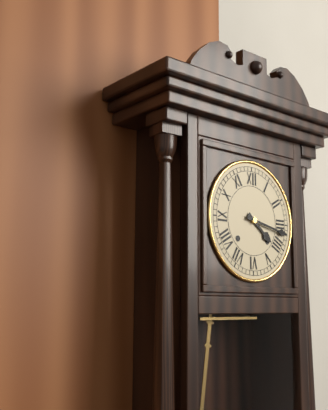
4:17
